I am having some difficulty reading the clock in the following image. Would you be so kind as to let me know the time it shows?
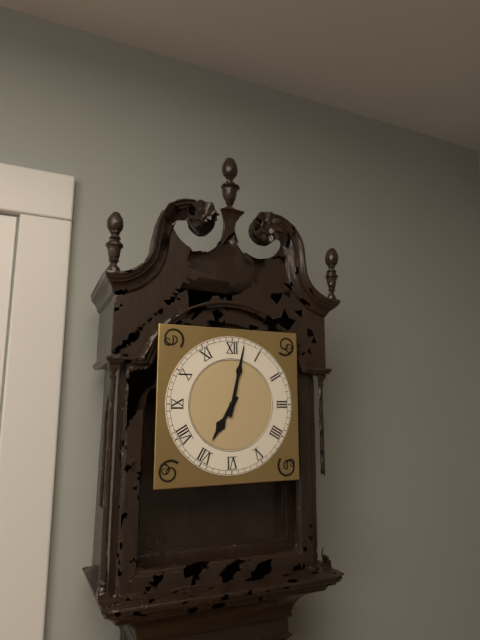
7:02
